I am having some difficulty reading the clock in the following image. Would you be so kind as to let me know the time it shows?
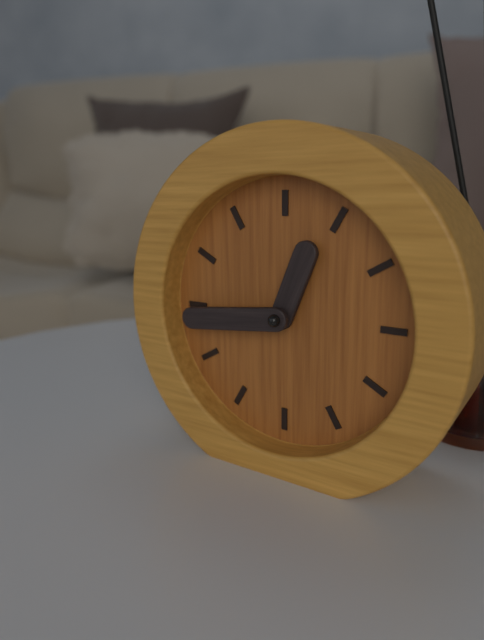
12:44
